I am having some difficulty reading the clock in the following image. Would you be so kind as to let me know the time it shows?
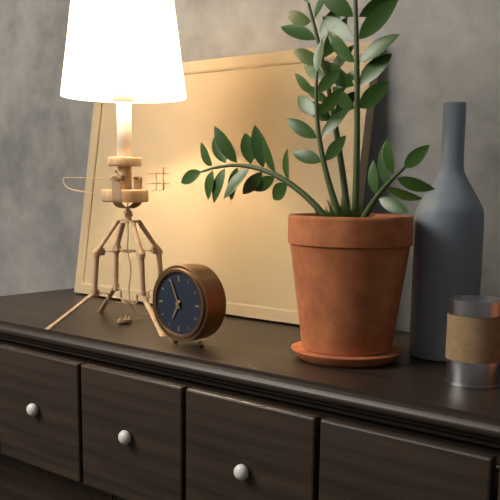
6:56
